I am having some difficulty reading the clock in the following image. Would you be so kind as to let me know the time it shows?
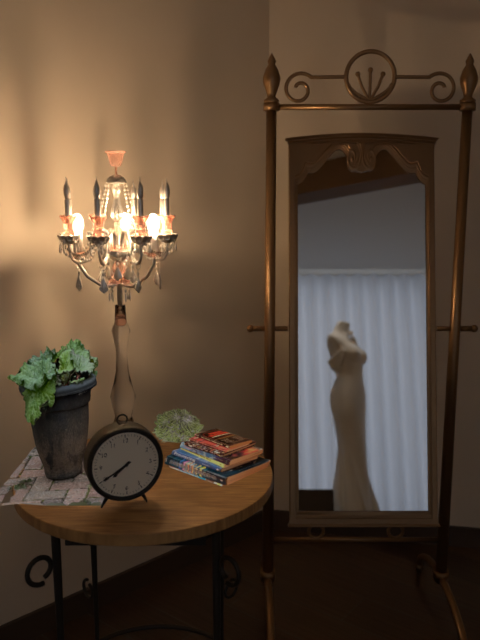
7:40
